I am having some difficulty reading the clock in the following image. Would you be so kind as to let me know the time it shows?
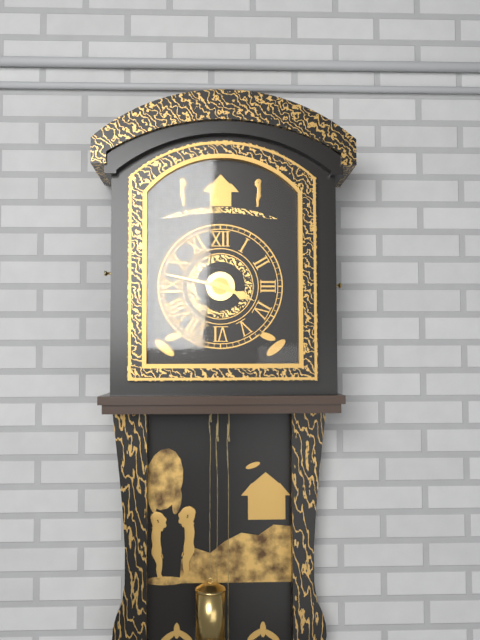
3:47
